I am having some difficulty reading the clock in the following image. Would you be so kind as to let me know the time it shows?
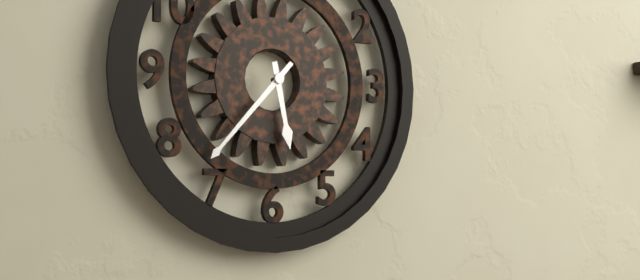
5:37
